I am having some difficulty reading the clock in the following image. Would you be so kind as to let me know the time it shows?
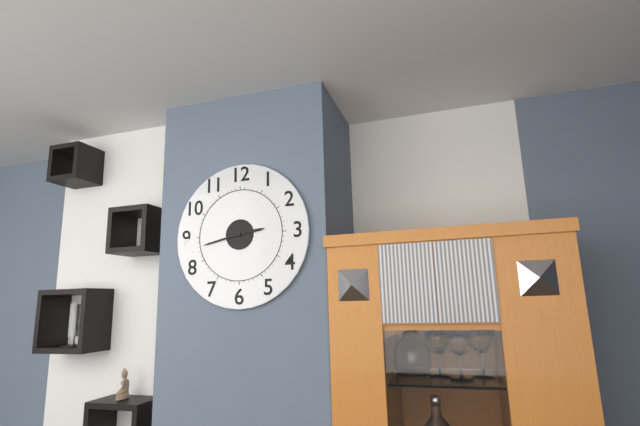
2:43
